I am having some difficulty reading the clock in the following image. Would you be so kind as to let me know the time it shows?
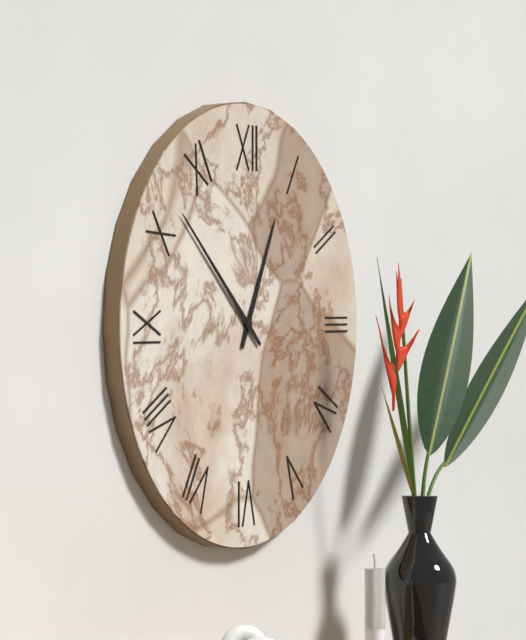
12:52
